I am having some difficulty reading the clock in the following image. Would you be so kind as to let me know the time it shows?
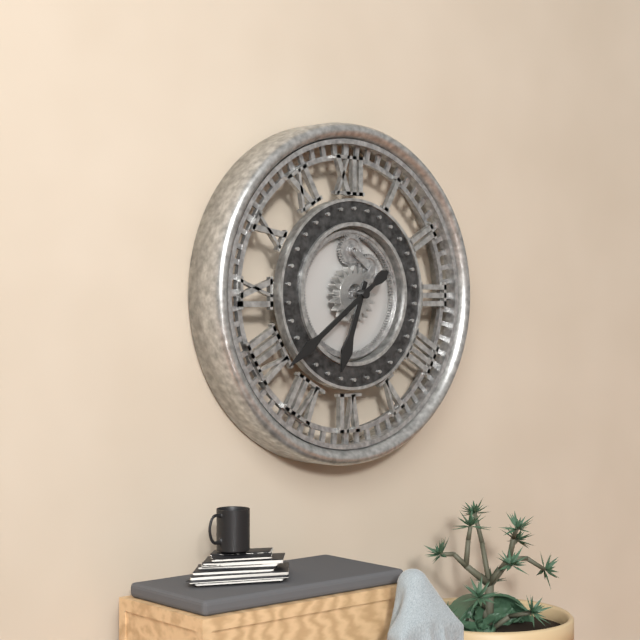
6:39
